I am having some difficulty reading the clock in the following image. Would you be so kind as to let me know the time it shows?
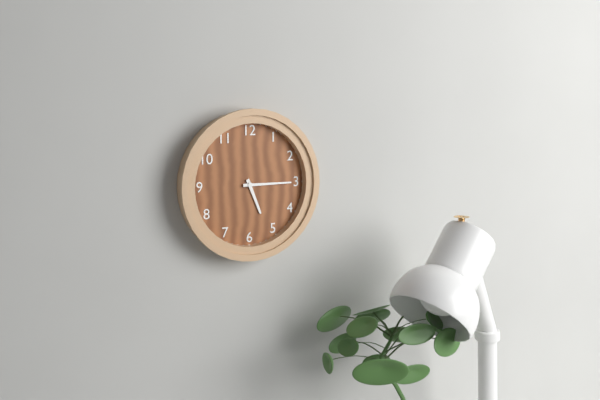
5:15
